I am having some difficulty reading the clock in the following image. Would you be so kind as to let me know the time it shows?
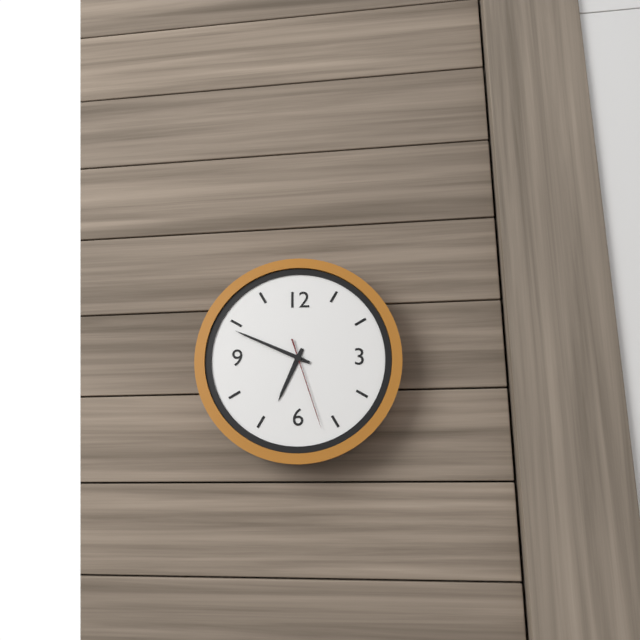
6:49:27
